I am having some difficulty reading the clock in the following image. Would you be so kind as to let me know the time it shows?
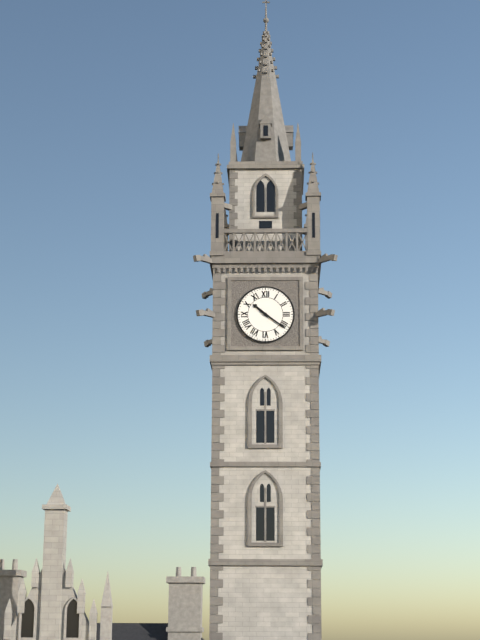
10:21
